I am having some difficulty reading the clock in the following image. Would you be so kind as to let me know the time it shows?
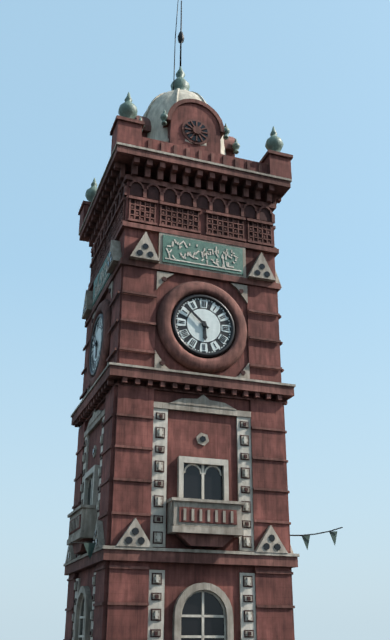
5:52
